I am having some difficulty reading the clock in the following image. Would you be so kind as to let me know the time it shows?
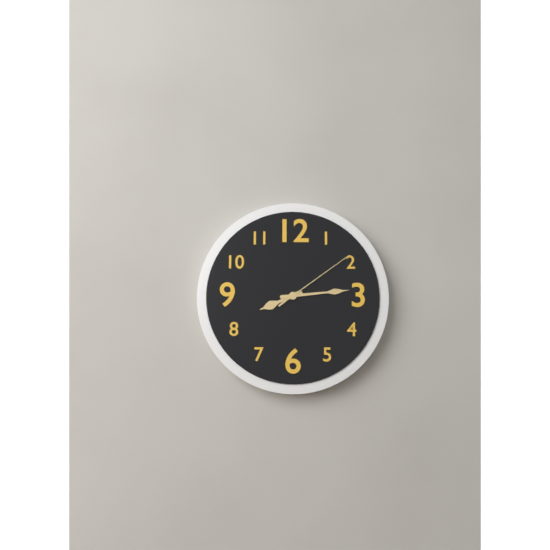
8:14:09
